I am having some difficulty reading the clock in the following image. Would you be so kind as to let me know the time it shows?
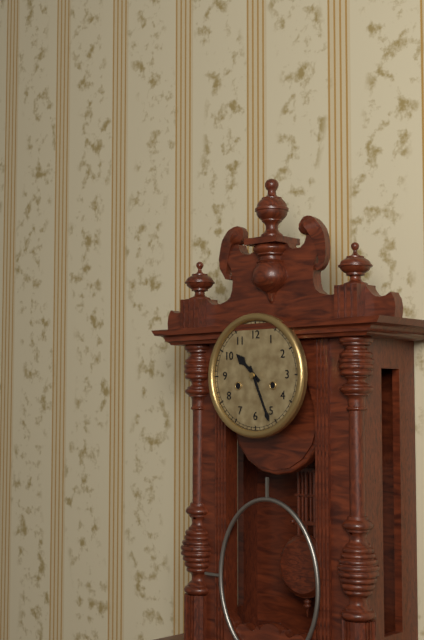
10:26
